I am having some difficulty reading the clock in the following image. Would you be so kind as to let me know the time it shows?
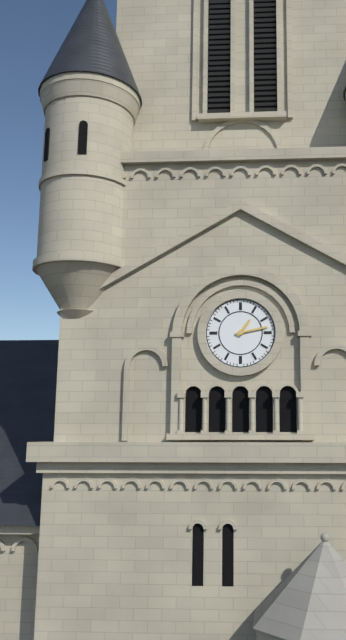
1:13
